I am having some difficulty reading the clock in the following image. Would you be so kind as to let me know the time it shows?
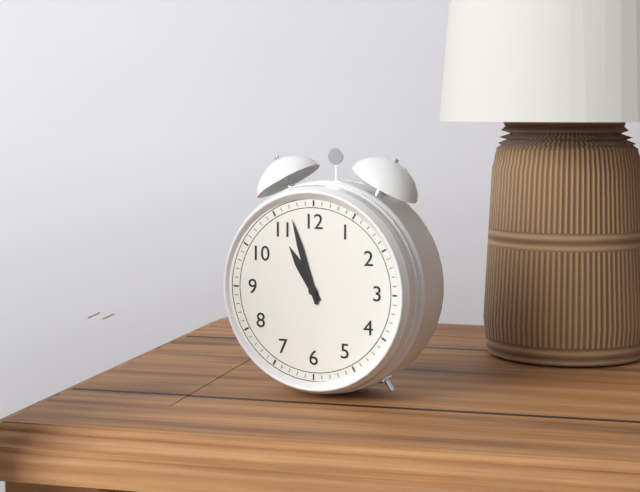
10:57
